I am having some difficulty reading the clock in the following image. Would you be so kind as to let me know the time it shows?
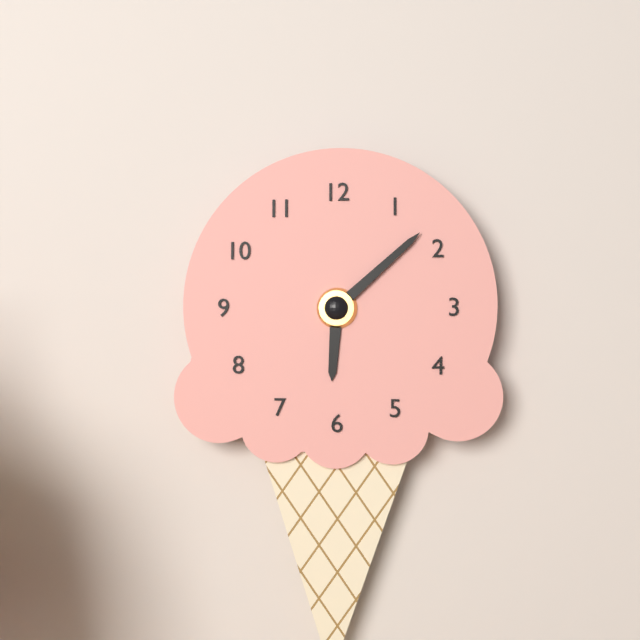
6:08
